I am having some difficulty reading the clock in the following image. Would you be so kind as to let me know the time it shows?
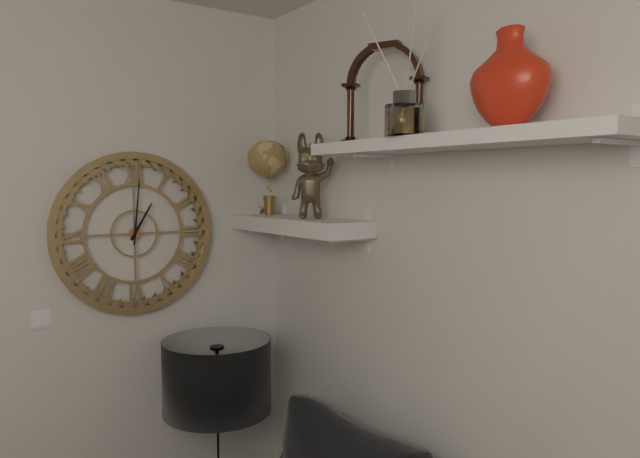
1:01
